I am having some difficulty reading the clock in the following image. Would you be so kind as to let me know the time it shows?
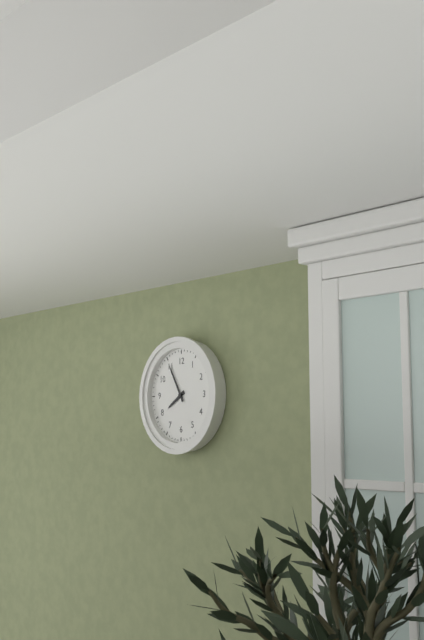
7:55
